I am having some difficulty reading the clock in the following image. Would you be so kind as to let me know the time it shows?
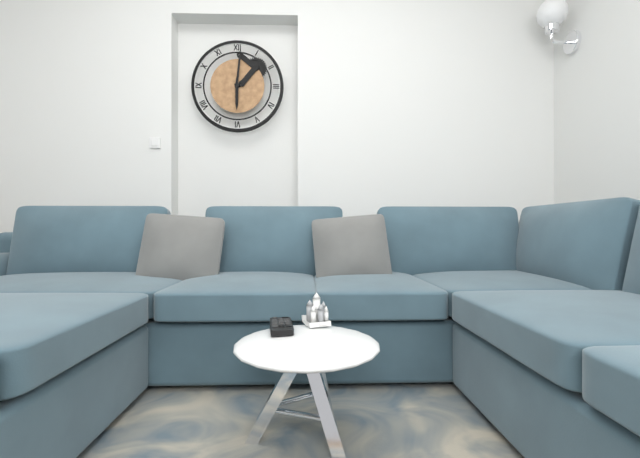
6:01
